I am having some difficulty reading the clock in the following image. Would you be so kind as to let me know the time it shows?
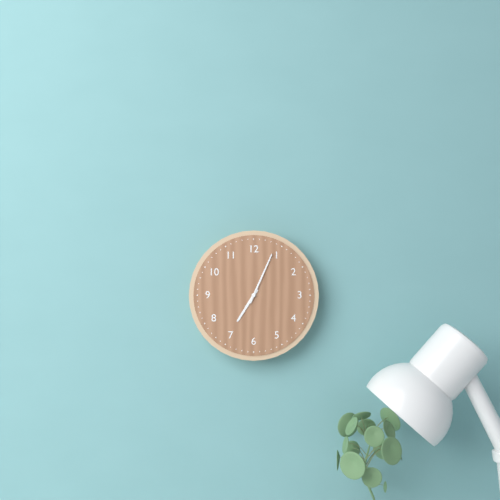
7:04
